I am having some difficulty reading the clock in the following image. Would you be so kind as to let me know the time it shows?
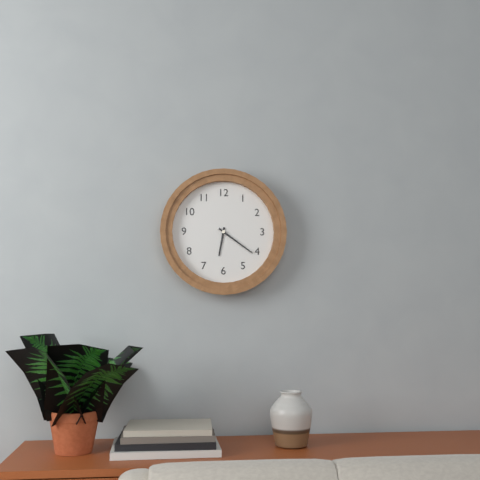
6:21
